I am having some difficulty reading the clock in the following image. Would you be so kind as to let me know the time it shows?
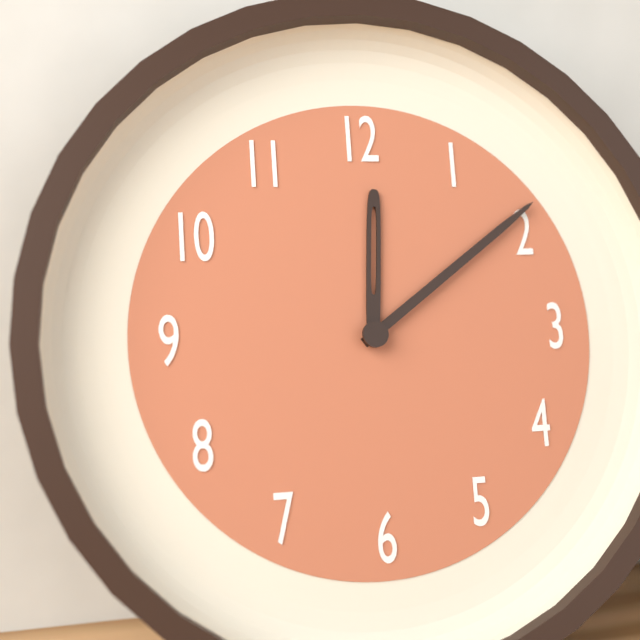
12:09
